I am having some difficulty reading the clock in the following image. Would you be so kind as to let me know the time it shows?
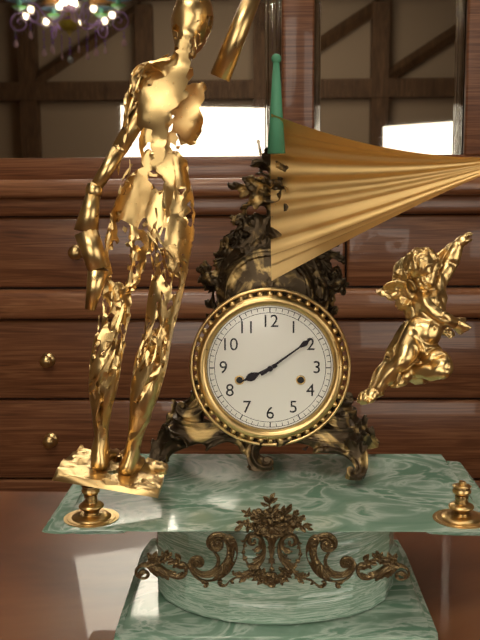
8:09
